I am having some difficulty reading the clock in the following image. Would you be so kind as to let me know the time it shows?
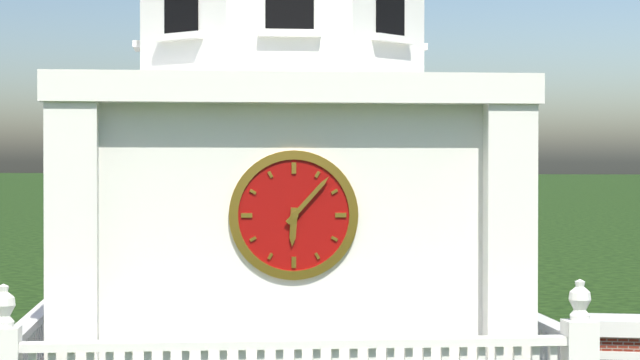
6:07
